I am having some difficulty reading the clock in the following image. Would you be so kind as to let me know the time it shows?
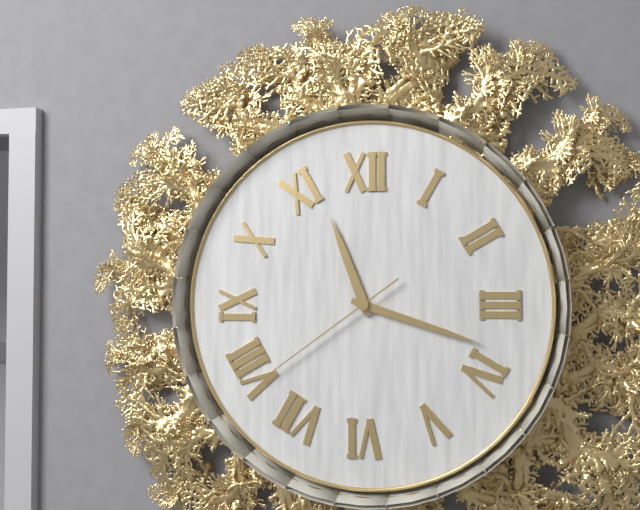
11:18:39
